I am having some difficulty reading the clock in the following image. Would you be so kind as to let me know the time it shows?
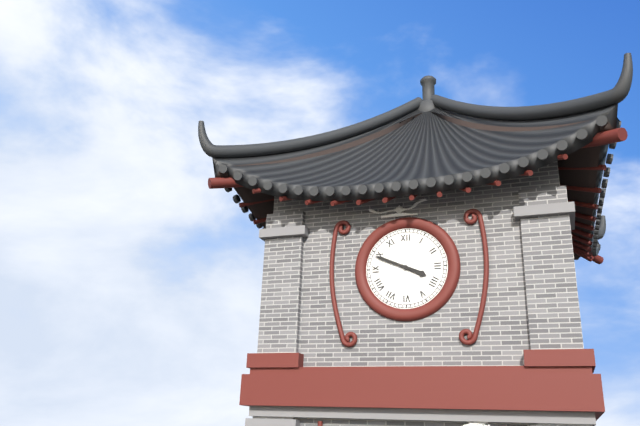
3:49
